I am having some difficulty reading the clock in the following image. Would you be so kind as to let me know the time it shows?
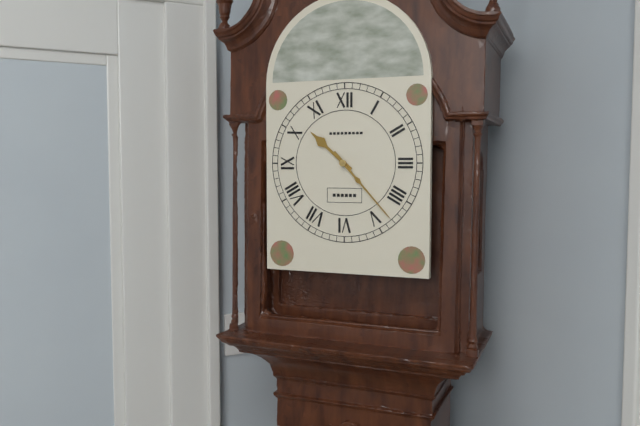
10:23
